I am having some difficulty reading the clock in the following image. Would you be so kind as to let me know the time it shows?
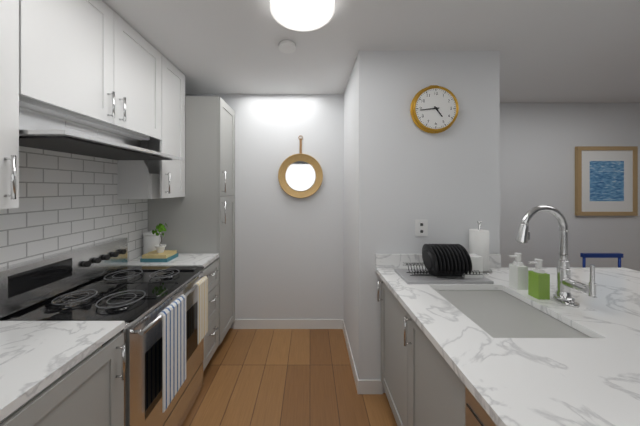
4:44
